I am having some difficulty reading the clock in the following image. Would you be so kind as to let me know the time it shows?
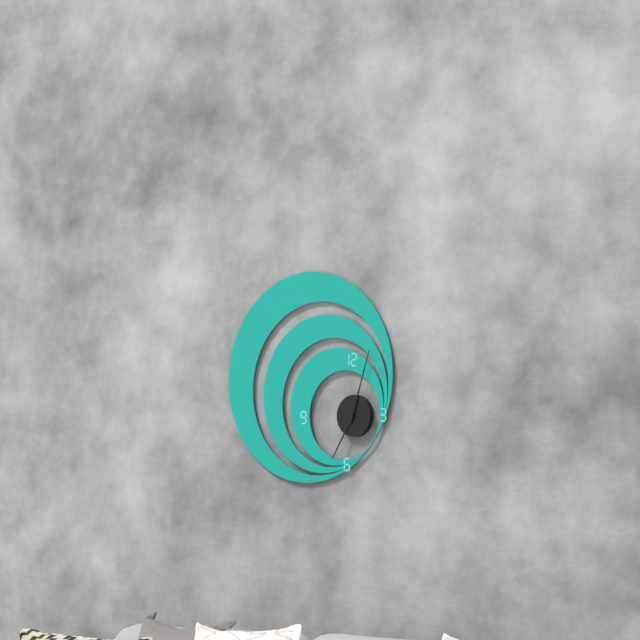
7:03
